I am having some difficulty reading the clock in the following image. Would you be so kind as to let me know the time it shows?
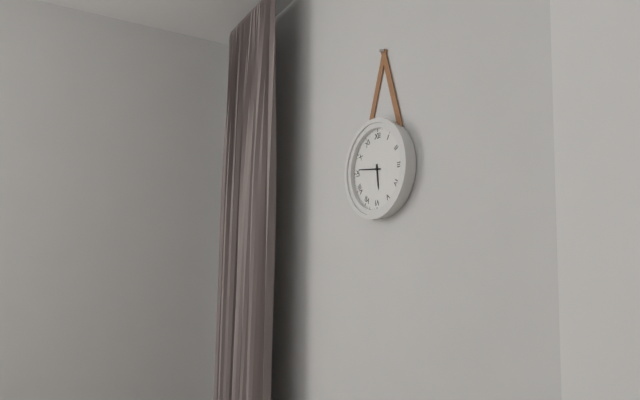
5:46
